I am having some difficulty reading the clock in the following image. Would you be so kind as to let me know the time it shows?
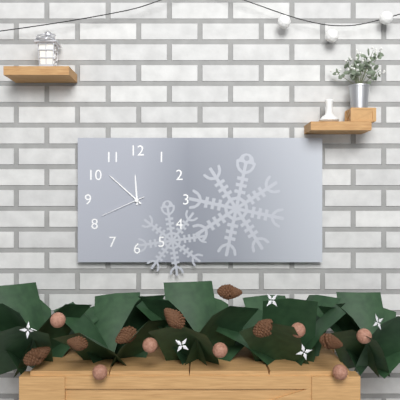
11:52
